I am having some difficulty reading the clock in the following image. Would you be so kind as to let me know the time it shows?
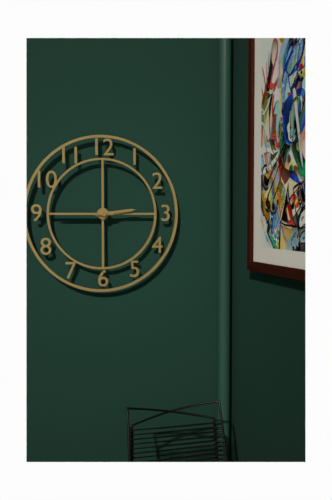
2:45
